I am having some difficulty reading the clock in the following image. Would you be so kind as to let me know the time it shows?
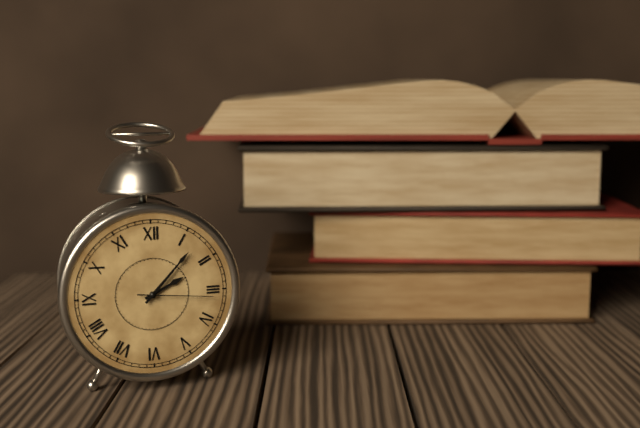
2:07:16
